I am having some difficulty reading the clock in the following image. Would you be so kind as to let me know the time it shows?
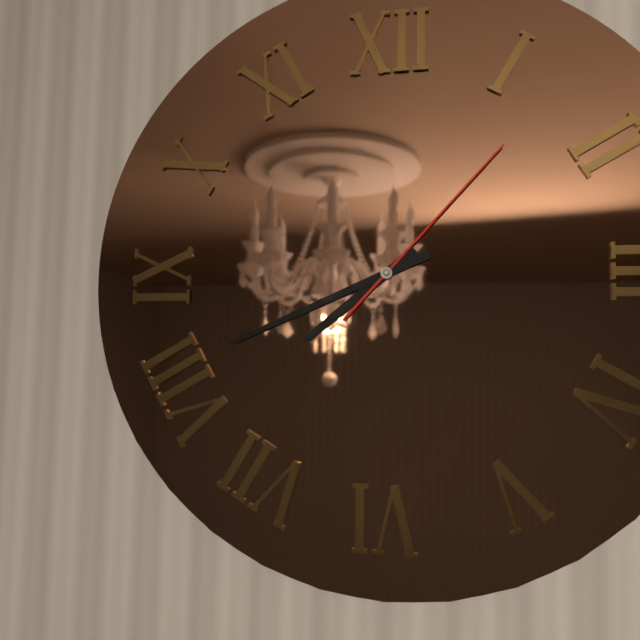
7:41:07
